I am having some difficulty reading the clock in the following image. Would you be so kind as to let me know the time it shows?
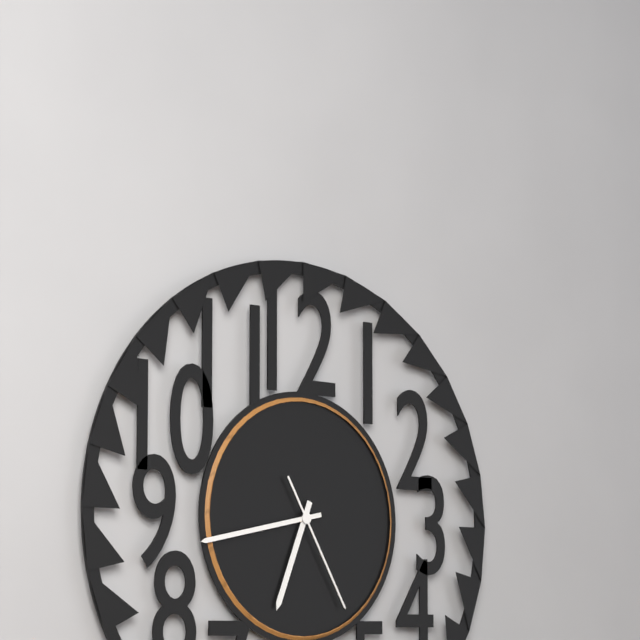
6:43:25
